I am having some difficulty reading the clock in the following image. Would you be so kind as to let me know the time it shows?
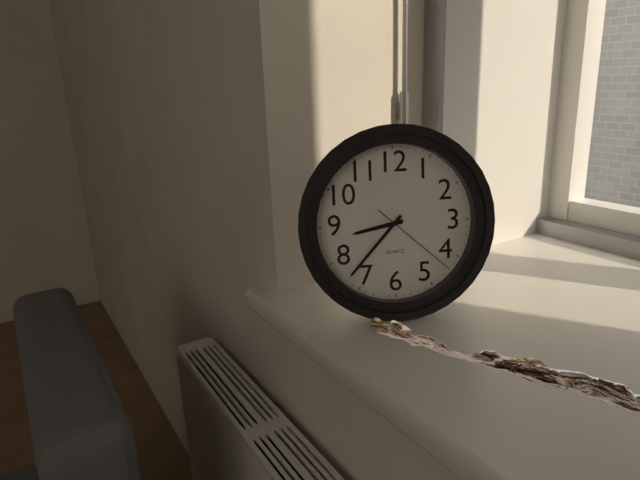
8:37:22
